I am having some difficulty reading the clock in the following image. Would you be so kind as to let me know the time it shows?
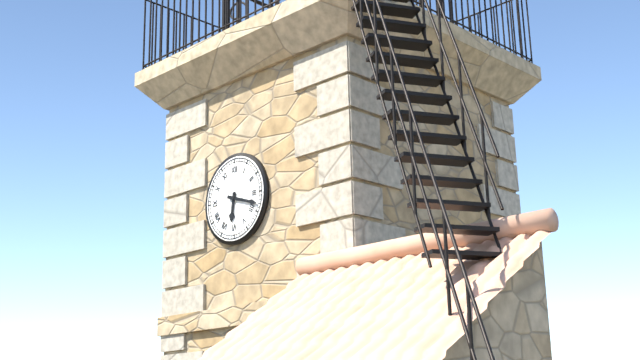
6:18
